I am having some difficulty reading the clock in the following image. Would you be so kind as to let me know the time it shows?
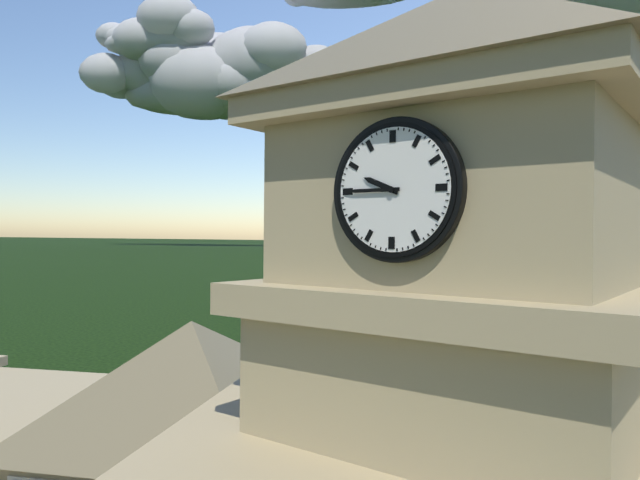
9:45
